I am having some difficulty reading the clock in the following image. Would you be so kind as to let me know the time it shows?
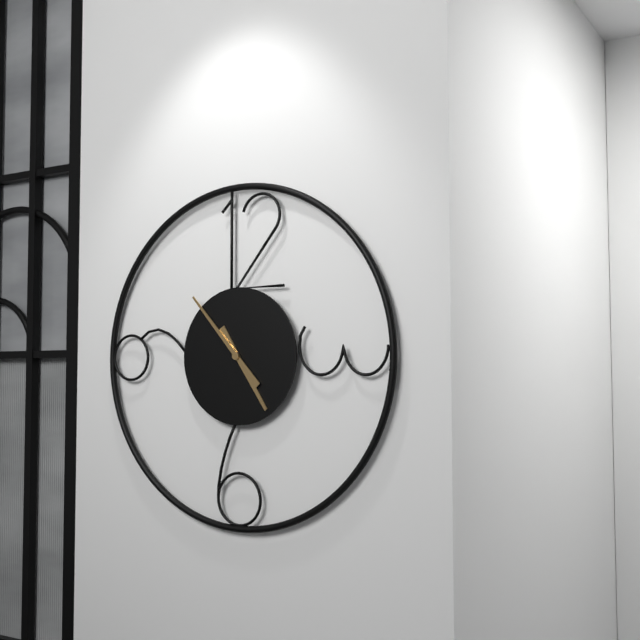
4:53
